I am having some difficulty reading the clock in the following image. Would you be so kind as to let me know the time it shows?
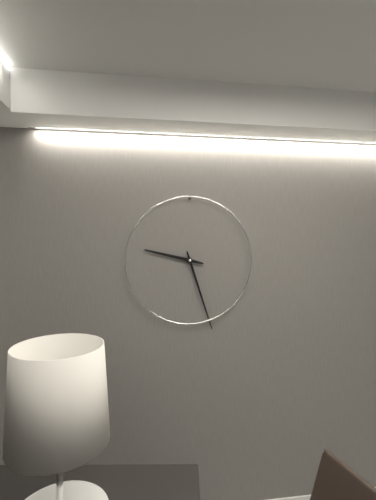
9:27
